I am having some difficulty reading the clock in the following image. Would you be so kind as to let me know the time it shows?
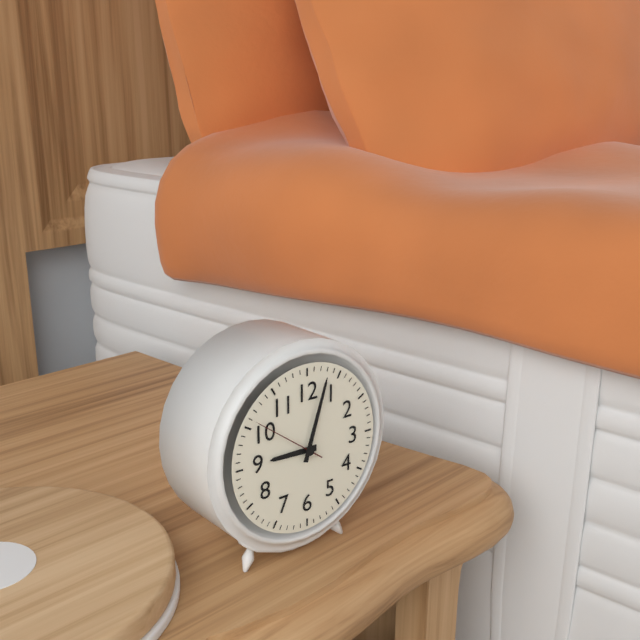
9:03:51
